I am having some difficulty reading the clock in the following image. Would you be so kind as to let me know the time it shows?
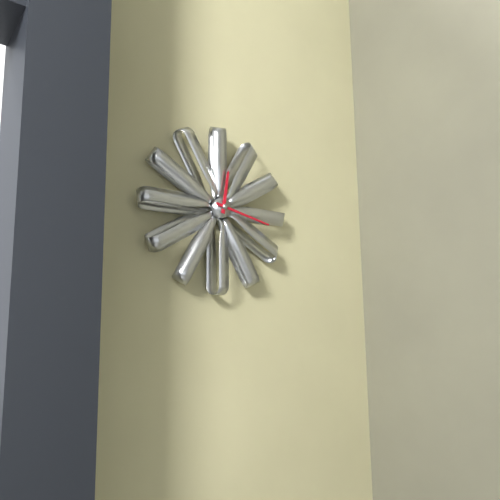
12:17
